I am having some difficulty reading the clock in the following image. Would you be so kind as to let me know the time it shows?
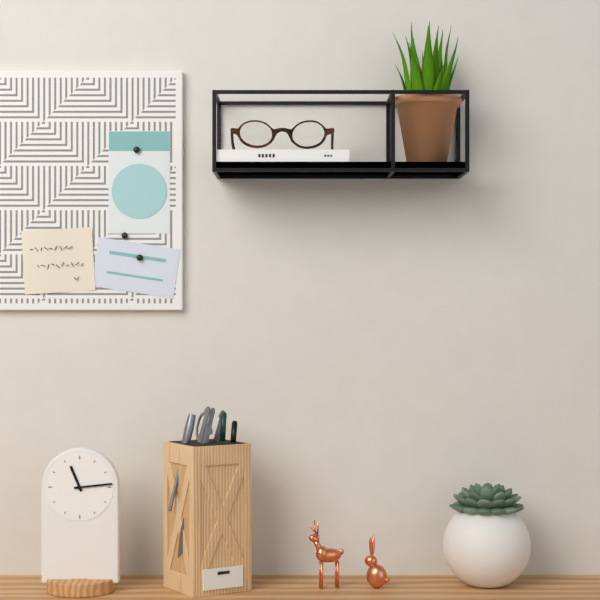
11:14
